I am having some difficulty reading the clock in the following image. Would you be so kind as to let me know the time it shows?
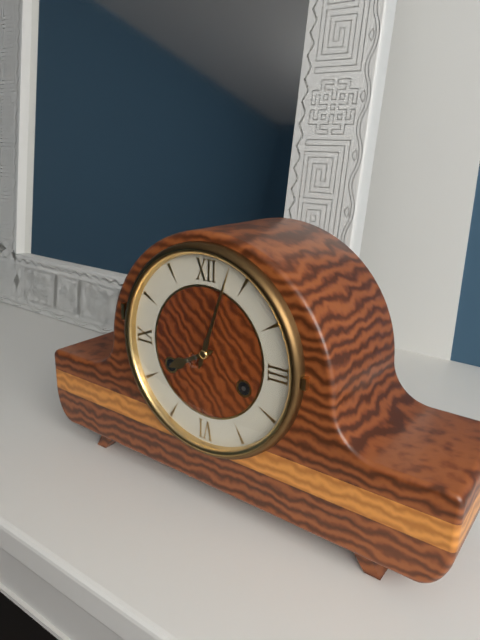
8:03
